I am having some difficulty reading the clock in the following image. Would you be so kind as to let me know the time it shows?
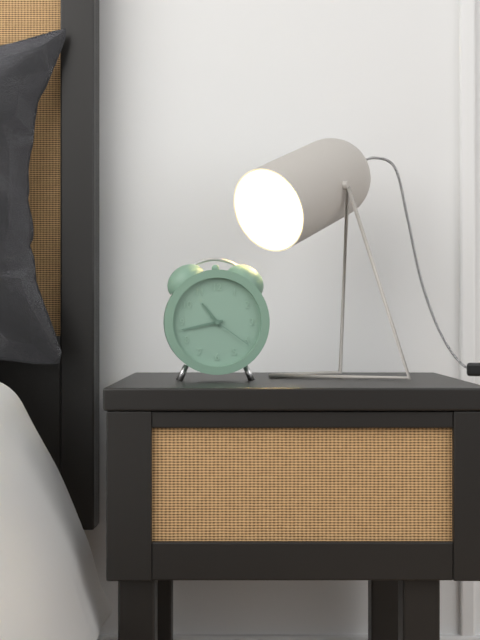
10:43
